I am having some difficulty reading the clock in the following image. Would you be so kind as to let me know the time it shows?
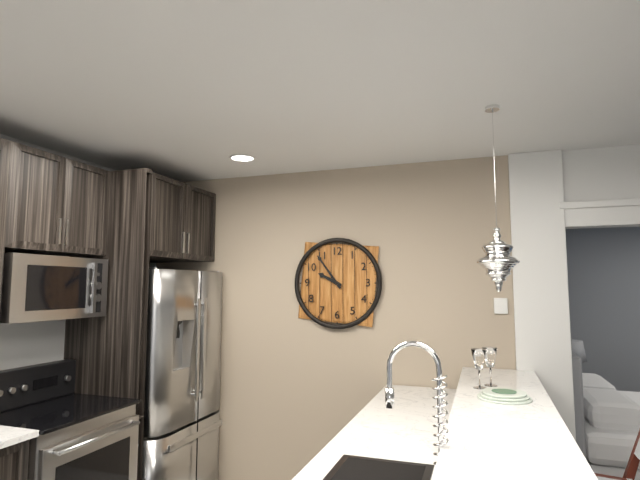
9:54
